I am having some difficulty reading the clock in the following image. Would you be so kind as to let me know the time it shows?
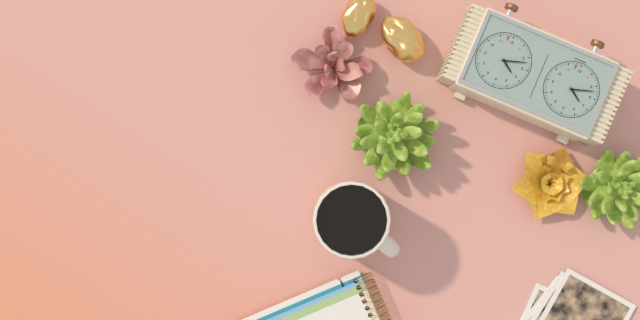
4:12
